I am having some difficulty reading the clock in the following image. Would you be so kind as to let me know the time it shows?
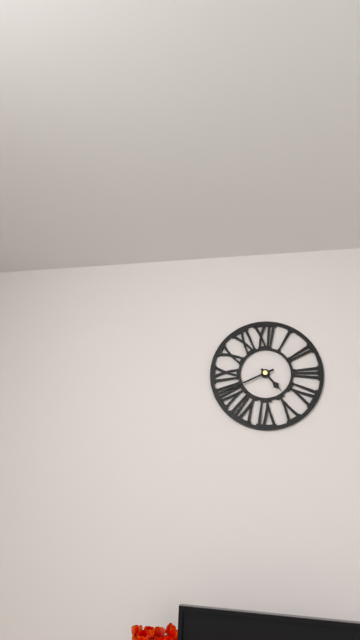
4:41
